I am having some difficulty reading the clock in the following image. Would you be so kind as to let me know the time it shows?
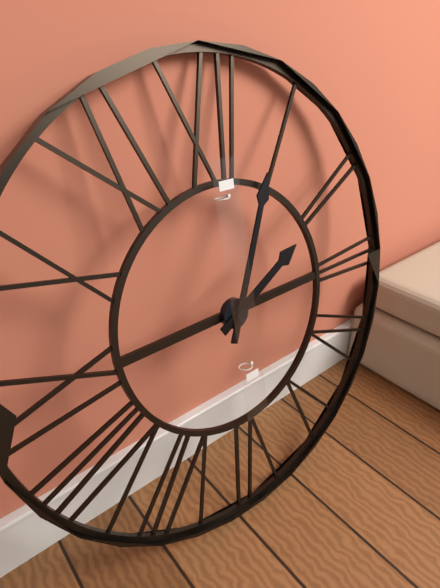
2:04
